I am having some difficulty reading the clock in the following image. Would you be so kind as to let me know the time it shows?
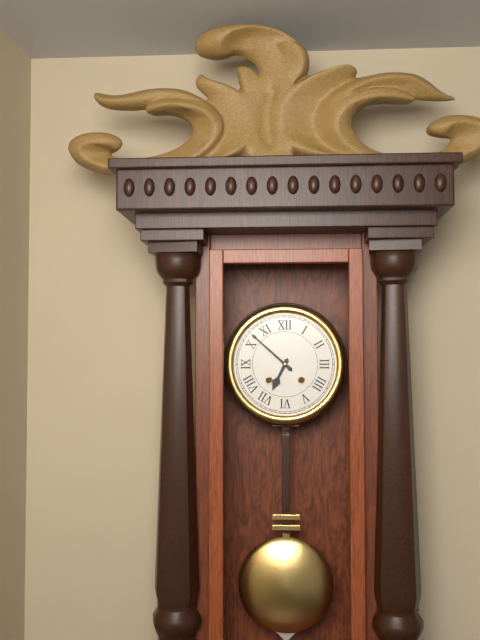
6:52
